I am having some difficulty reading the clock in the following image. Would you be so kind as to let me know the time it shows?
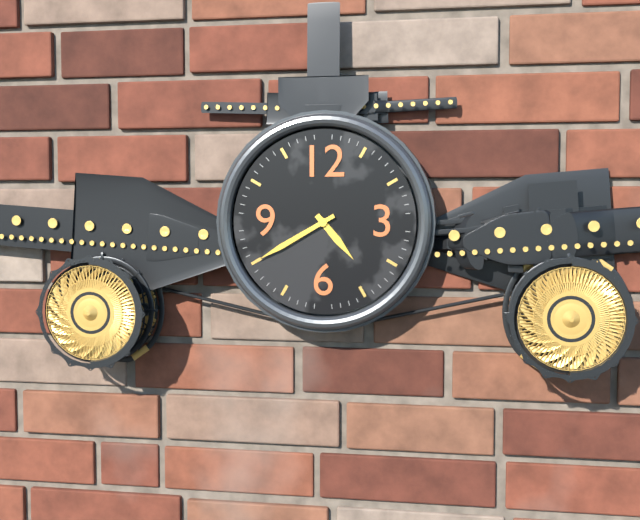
4:40
